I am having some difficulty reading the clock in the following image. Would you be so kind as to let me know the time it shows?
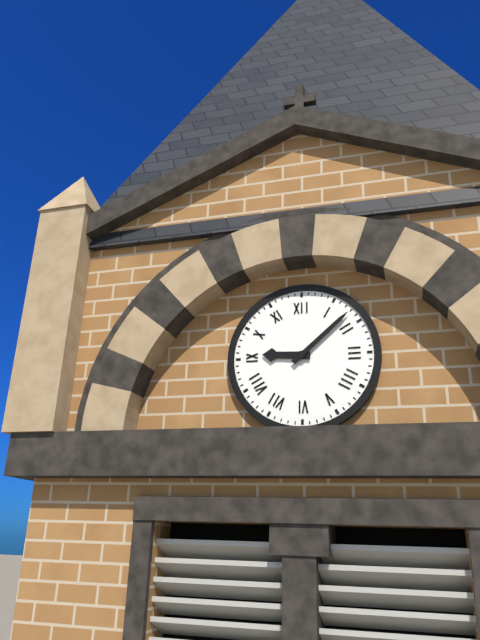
9:08
